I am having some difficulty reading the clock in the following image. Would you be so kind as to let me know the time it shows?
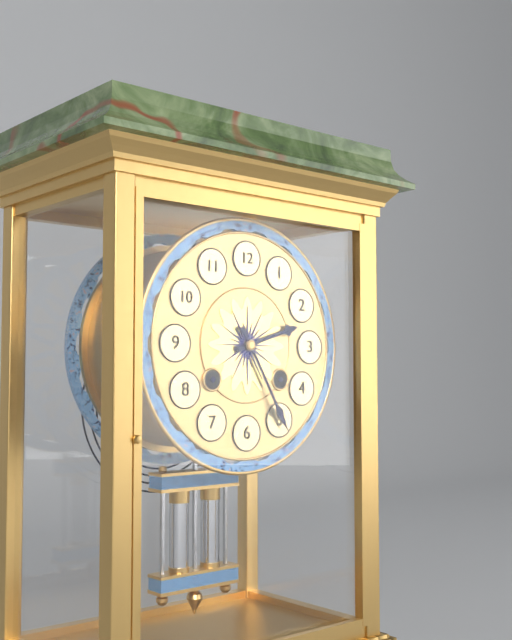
2:25
